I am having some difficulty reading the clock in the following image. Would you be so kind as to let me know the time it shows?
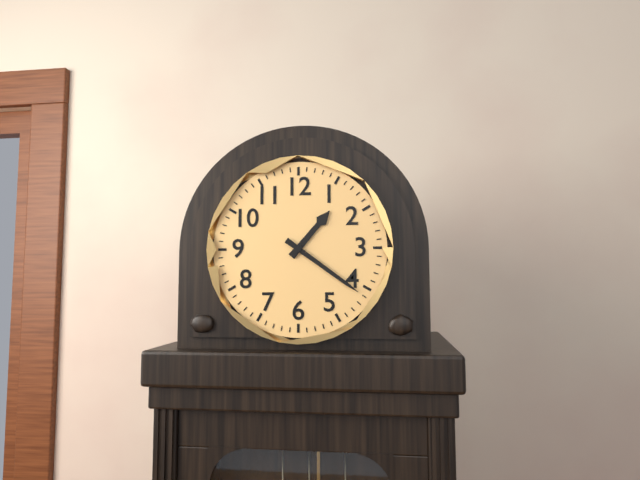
1:21
